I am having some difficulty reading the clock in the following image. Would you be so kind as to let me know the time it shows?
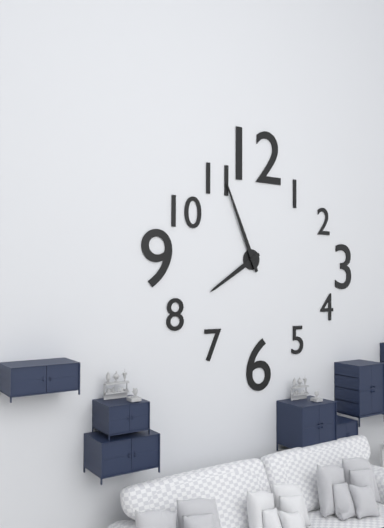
7:56
